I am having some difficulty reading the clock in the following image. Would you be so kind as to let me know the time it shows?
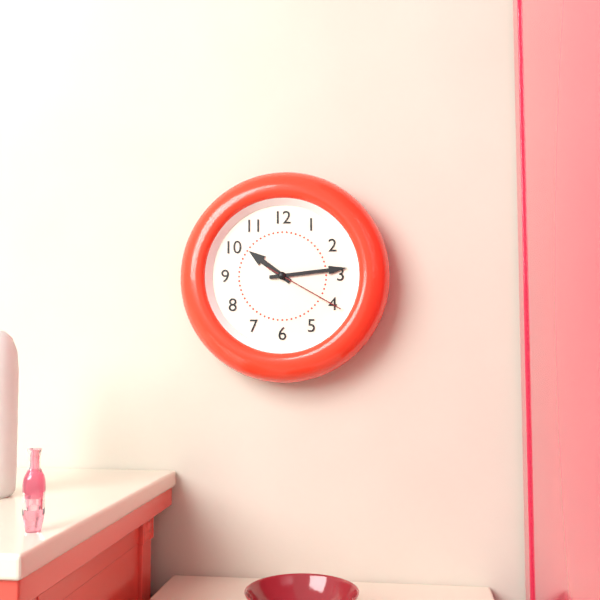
10:14:20
